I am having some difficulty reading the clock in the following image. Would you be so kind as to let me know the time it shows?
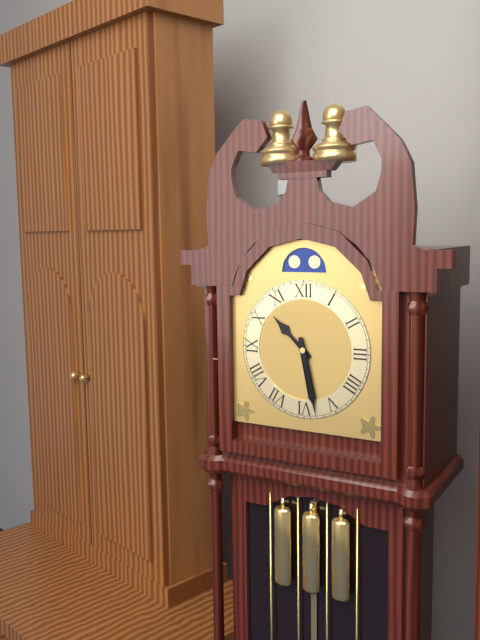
10:28
